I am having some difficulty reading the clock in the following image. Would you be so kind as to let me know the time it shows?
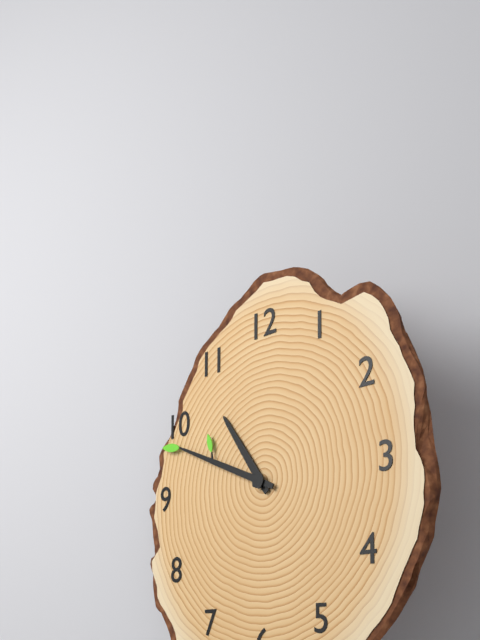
10:49
